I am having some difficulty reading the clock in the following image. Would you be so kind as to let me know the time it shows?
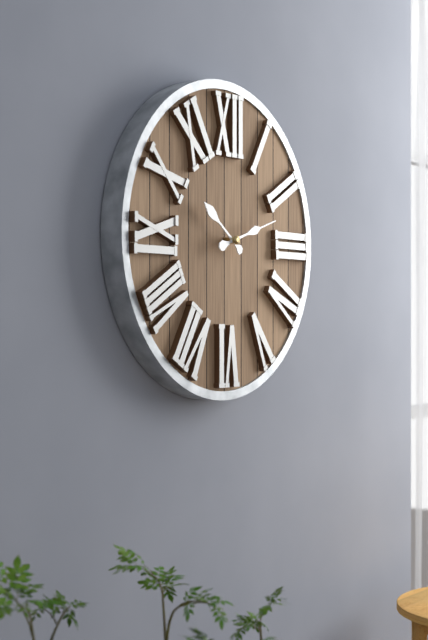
10:12
